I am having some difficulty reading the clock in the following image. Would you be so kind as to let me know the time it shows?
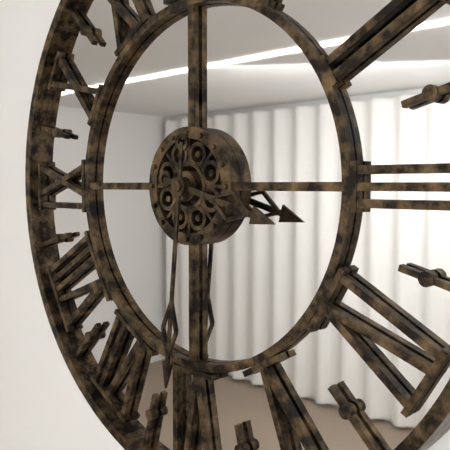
3:31
